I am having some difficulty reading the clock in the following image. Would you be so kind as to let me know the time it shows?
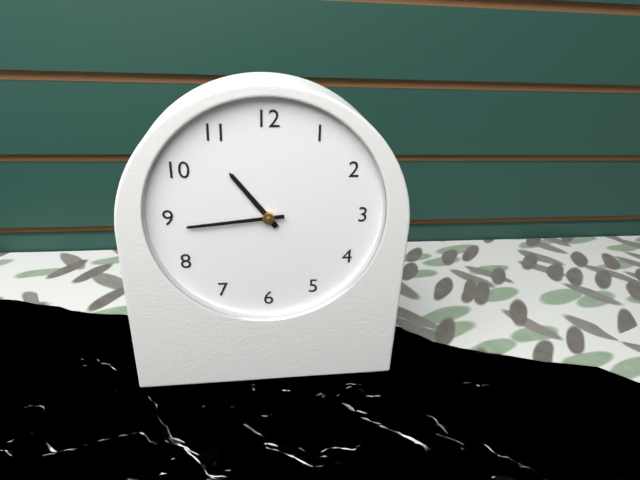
10:44
